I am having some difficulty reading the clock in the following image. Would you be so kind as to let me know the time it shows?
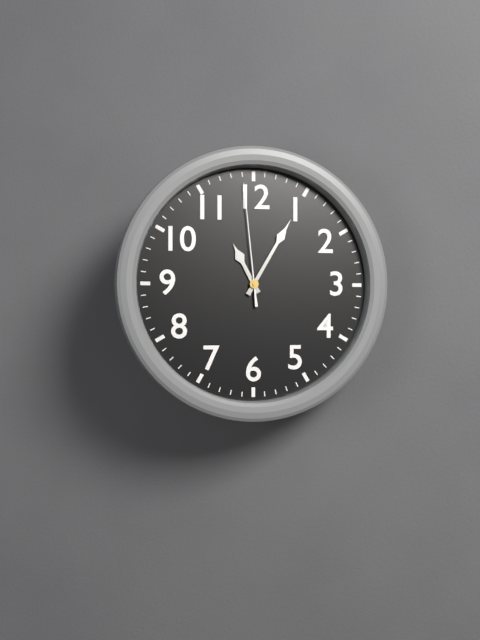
11:05:59
